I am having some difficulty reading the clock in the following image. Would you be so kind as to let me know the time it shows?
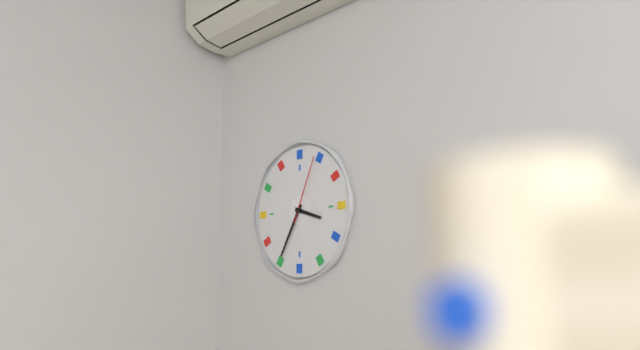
3:35:04
